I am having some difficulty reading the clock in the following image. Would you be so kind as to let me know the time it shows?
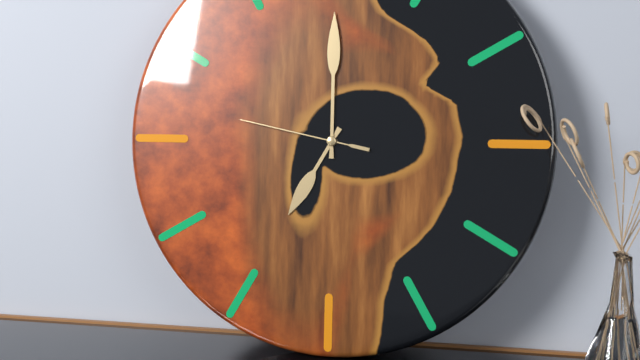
7:00:47
